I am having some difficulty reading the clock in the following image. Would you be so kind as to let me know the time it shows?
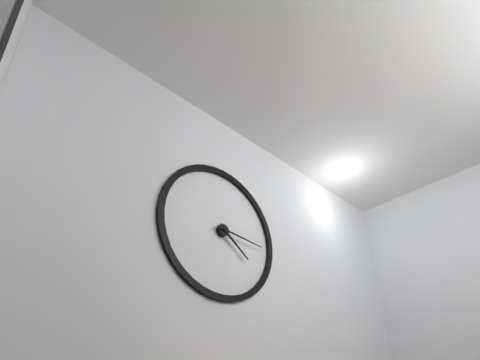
4:16
